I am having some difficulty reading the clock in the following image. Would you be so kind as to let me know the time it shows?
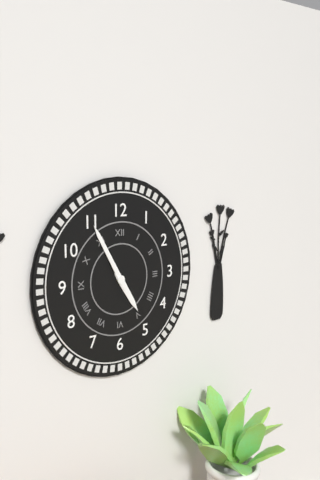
4:55
